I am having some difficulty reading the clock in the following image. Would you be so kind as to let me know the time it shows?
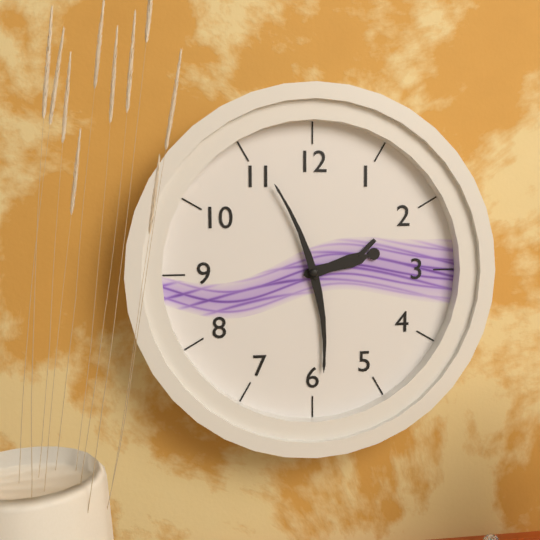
2:29:56
